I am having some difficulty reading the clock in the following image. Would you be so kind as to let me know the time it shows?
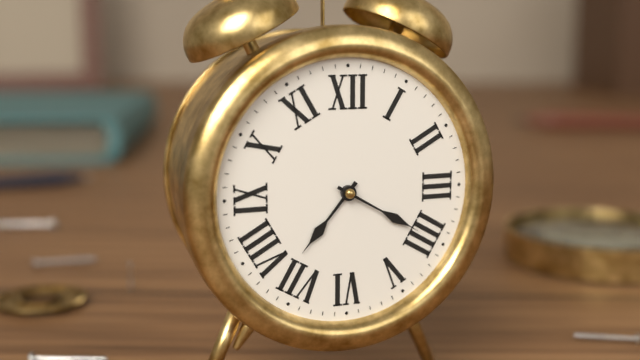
7:20
